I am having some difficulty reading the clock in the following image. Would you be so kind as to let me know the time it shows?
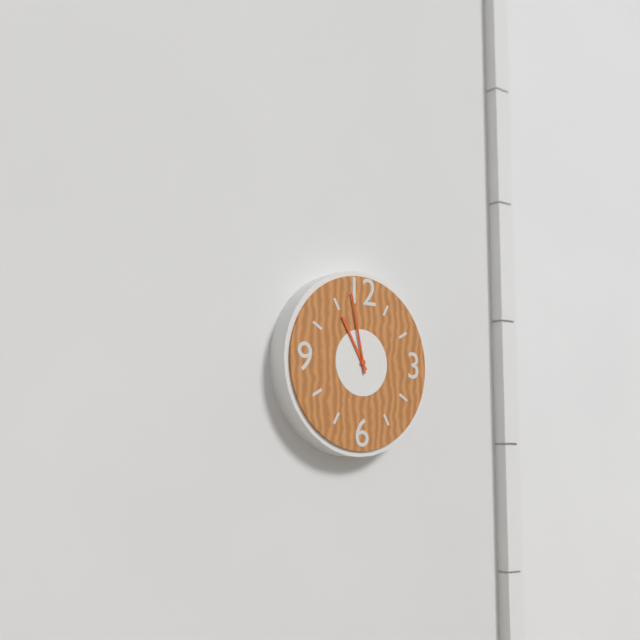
10:58
